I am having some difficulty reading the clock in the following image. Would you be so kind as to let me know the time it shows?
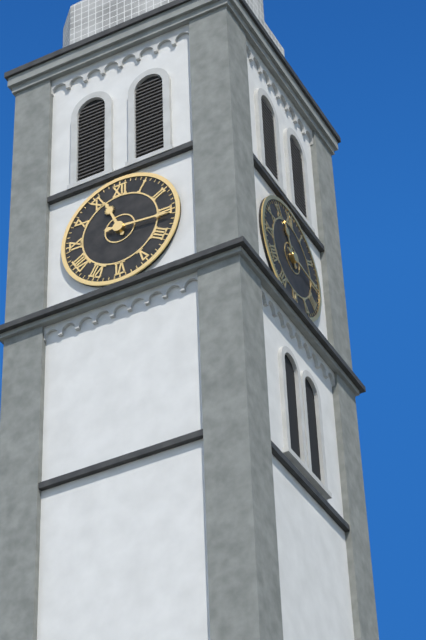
11:16
